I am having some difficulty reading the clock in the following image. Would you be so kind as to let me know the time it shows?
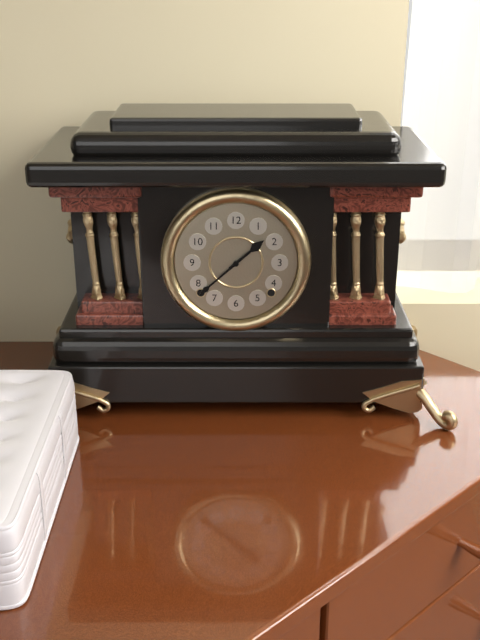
1:38
